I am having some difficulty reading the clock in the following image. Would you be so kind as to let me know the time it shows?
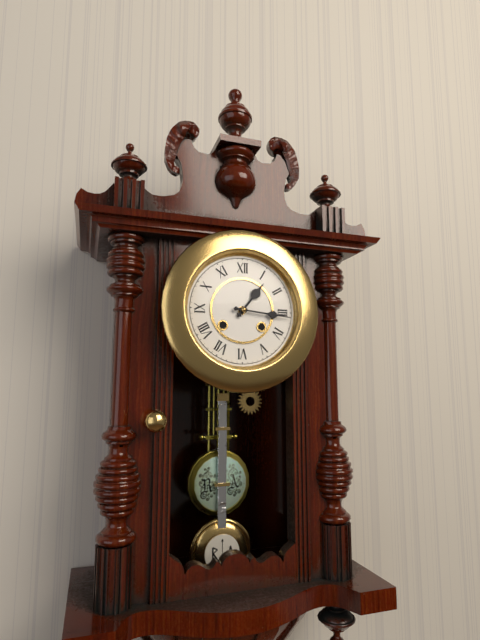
1:16
